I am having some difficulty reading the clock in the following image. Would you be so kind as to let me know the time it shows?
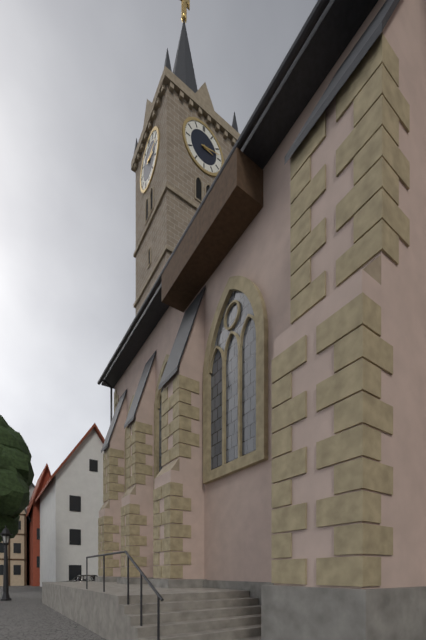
3:13
